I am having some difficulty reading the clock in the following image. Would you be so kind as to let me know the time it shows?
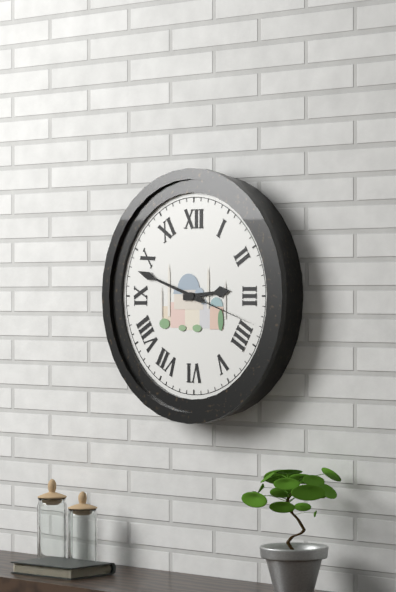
2:48:18
